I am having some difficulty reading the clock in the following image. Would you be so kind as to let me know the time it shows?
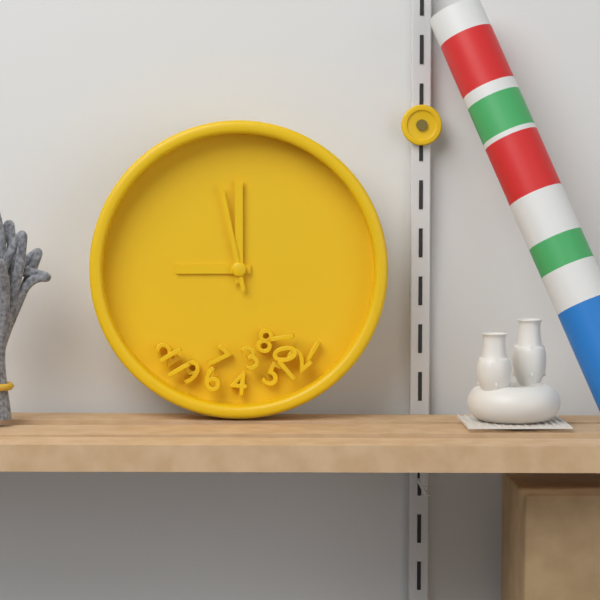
9:00:58
